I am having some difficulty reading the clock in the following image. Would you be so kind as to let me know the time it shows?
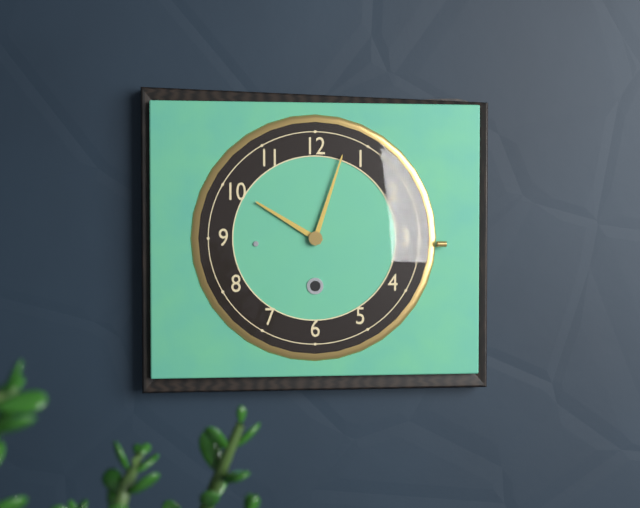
10:03
